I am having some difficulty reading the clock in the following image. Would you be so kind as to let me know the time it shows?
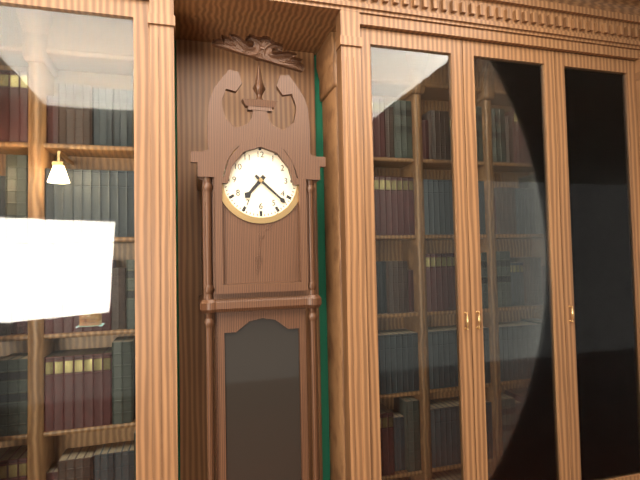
7:22
